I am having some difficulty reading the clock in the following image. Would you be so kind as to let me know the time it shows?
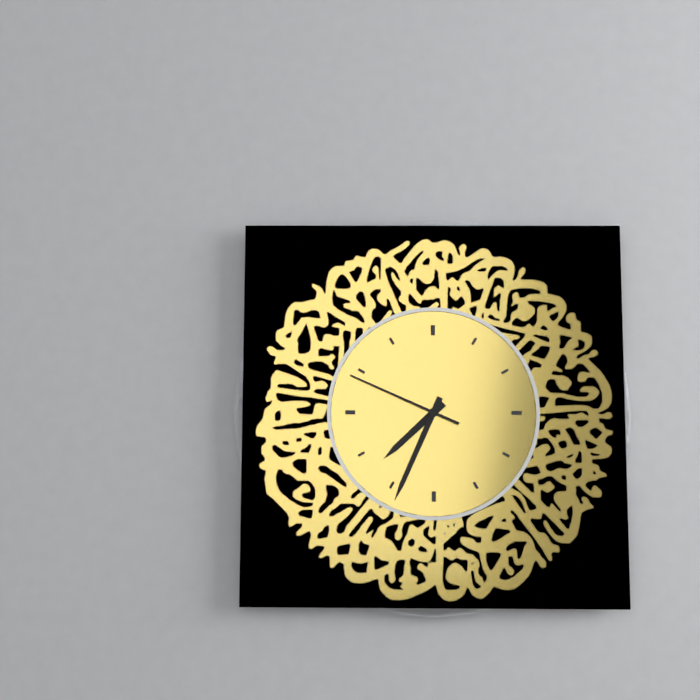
7:34:49
